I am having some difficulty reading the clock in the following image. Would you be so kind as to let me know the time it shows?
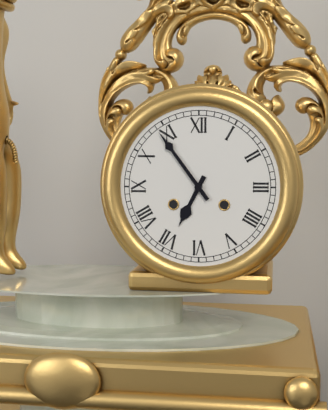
6:54
